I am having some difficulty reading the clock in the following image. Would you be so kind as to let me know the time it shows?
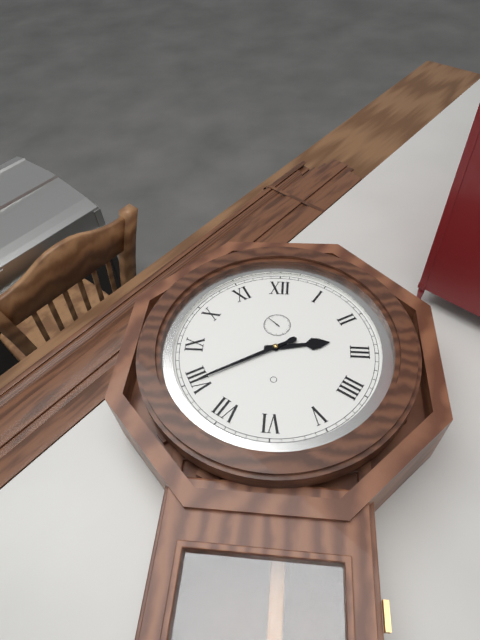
2:40
